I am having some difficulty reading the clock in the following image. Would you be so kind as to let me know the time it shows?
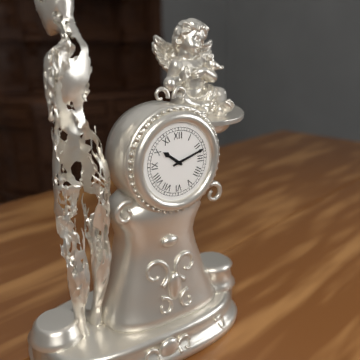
10:12
